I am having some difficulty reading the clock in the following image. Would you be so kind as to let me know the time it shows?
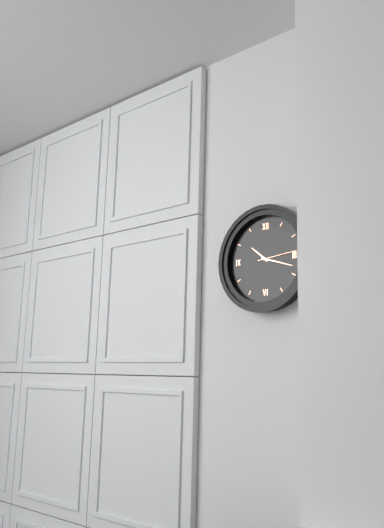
10:18
